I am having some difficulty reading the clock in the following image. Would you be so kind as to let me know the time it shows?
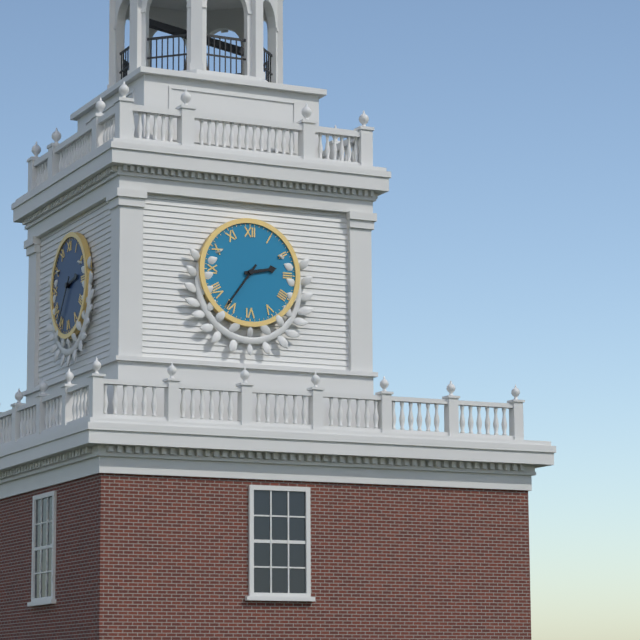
2:36
